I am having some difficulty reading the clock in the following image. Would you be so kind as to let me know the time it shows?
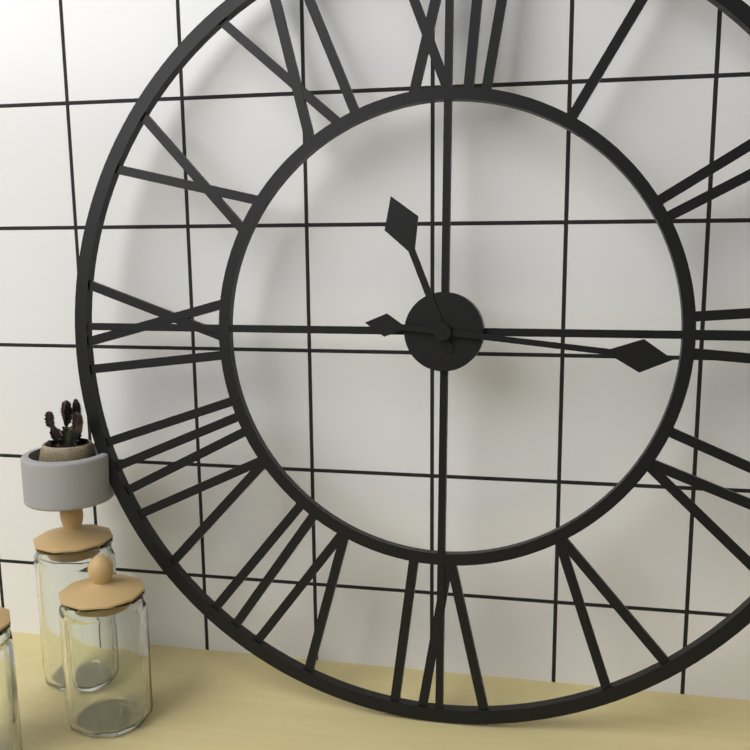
11:16
